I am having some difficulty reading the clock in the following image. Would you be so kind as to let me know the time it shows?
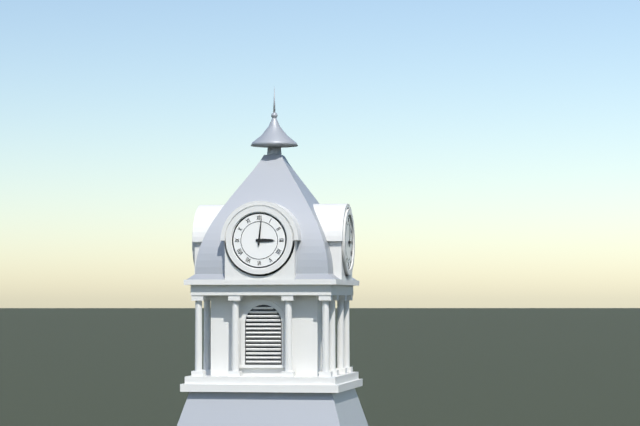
3:01
